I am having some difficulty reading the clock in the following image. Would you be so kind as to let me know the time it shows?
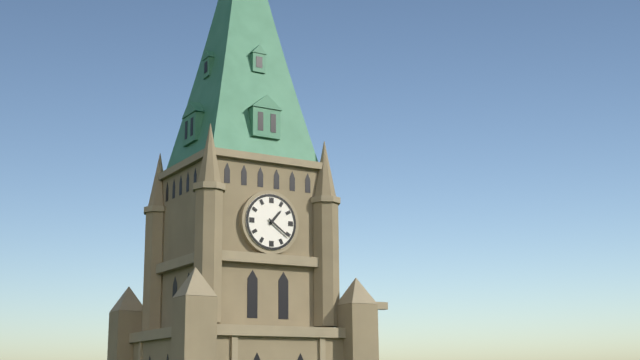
1:21
